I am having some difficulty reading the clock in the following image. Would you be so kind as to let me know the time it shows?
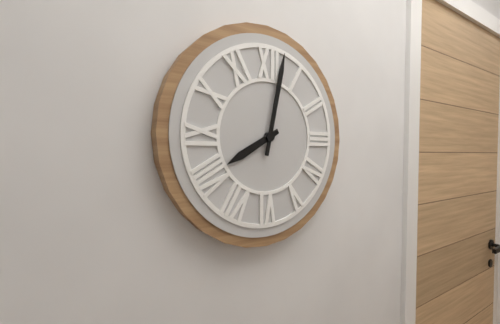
8:02
